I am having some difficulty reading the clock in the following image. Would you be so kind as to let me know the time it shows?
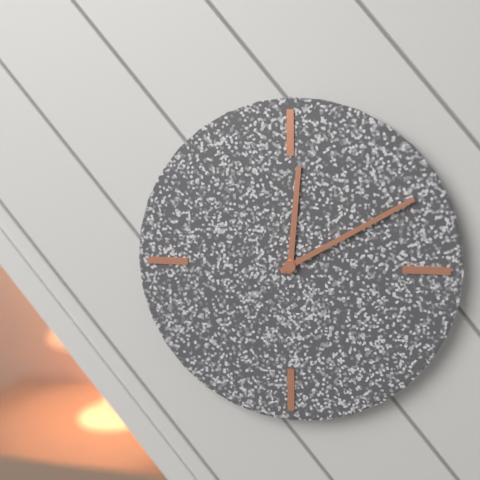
12:10
